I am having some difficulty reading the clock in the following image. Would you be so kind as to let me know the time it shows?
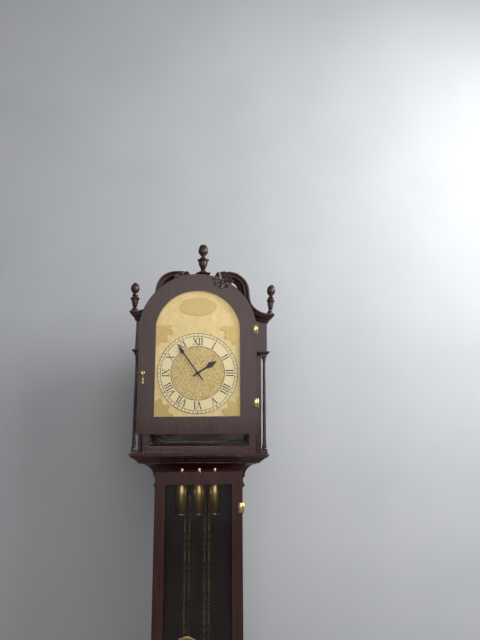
1:54
